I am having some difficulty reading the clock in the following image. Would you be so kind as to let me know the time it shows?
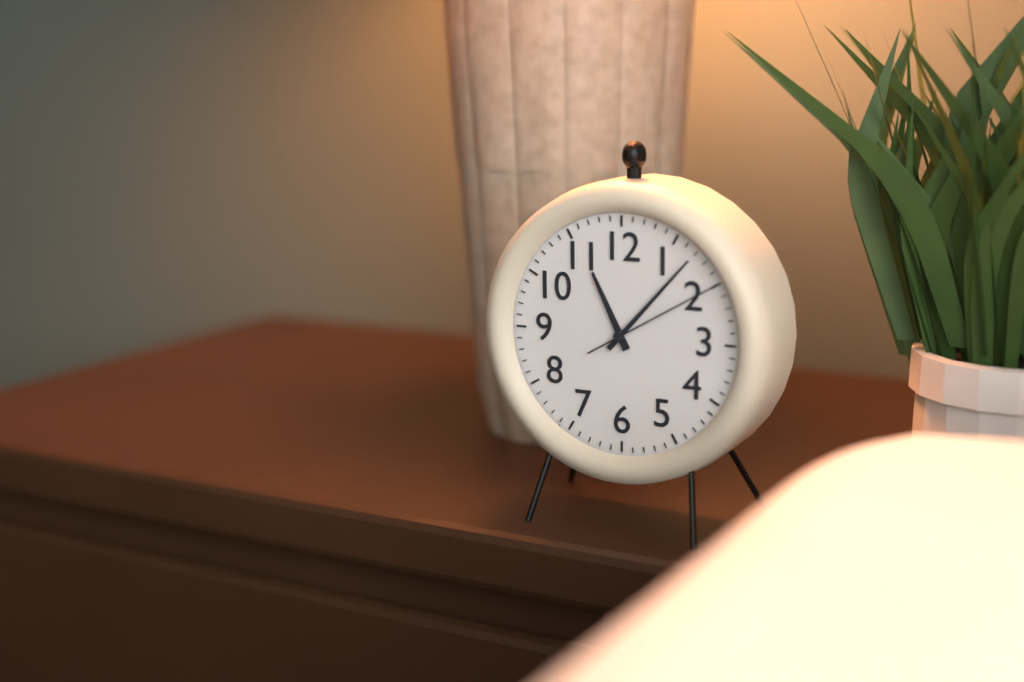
11:07:10
